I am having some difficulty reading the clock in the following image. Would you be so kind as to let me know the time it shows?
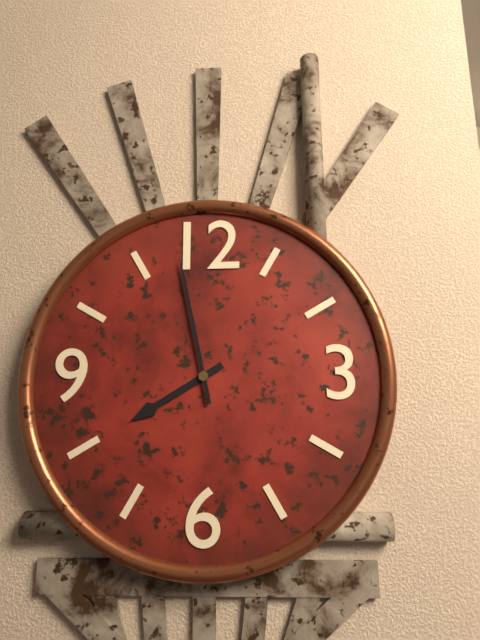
7:58
